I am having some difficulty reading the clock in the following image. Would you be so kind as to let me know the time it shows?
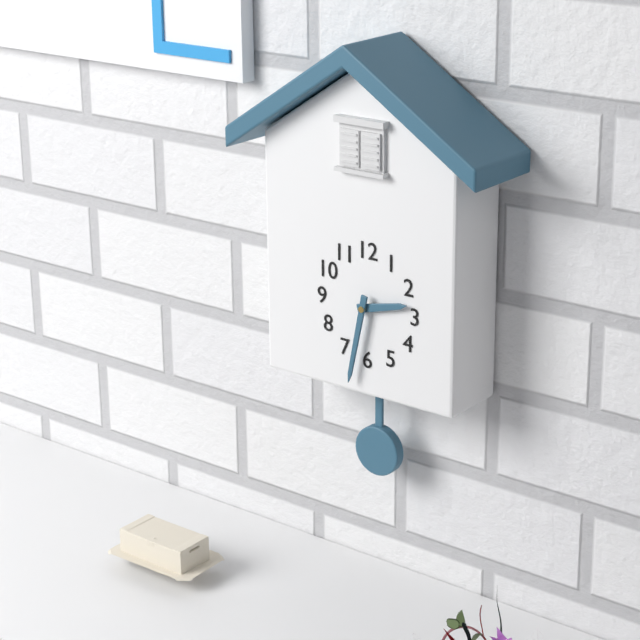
2:32
